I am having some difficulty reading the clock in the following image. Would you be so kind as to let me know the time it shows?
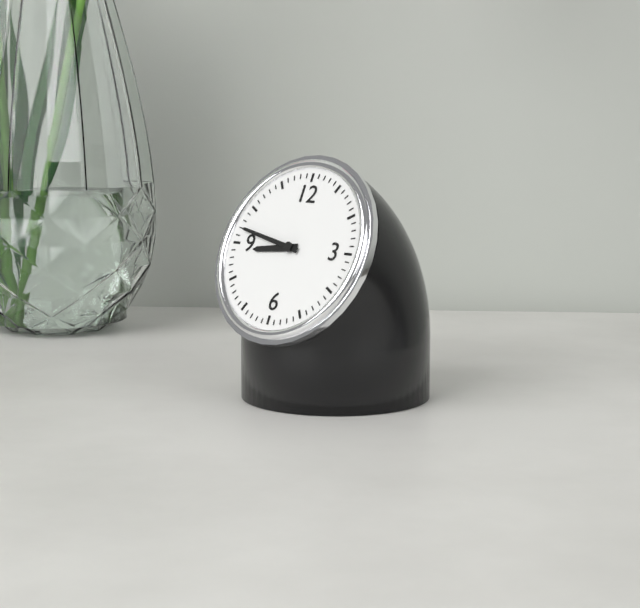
8:47
